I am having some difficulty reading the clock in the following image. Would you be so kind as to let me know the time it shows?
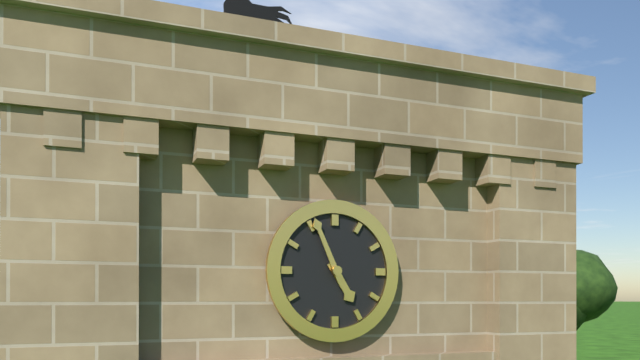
4:56
